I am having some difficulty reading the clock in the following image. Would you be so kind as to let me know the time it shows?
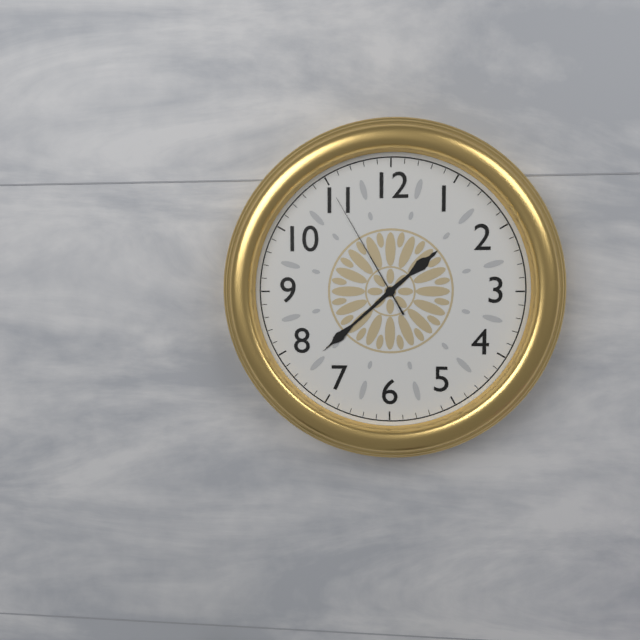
1:38:55
